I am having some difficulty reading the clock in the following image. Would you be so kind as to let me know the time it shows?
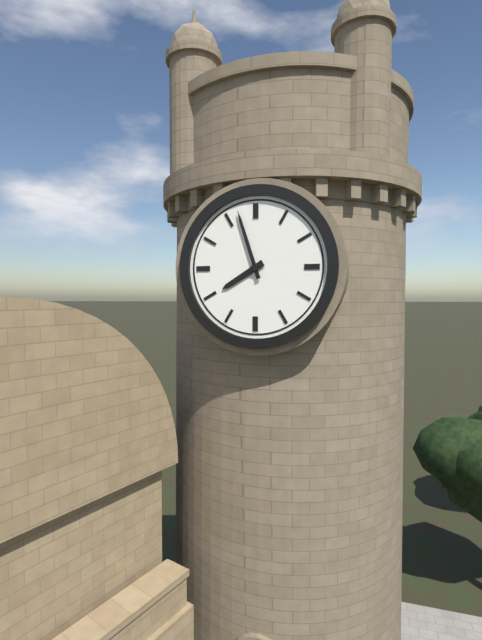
7:57
